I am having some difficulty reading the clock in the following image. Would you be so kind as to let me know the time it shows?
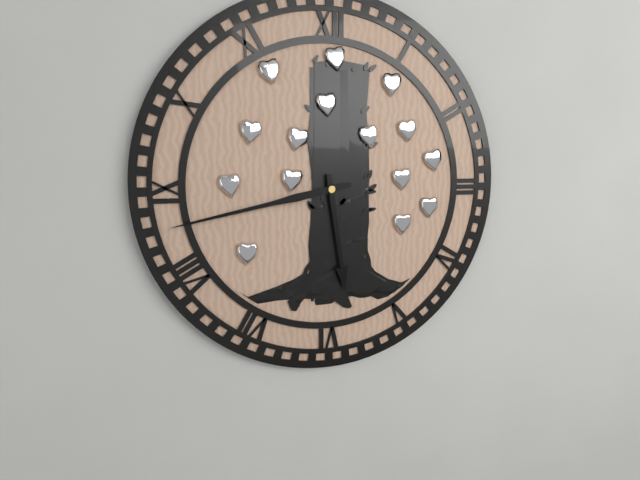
5:43
